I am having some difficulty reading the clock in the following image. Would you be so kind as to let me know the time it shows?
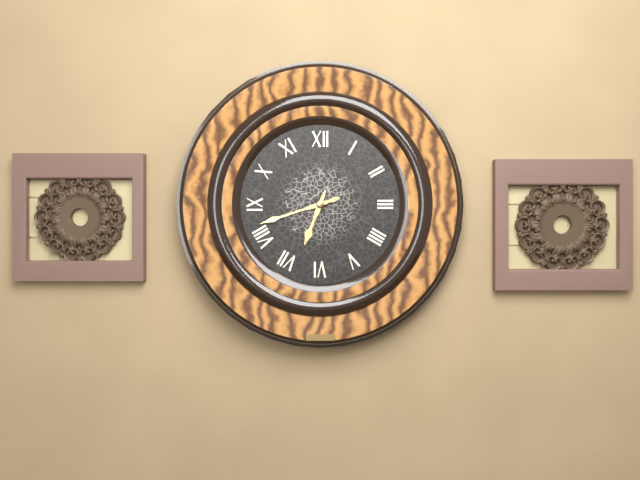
6:42
